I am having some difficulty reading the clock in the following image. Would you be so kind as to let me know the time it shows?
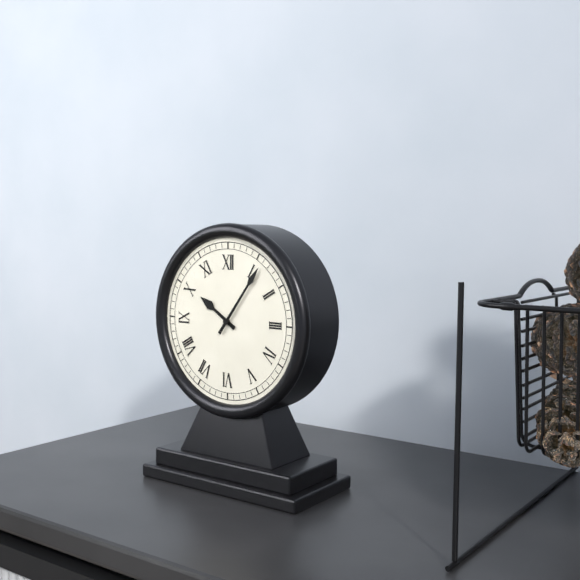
10:06
